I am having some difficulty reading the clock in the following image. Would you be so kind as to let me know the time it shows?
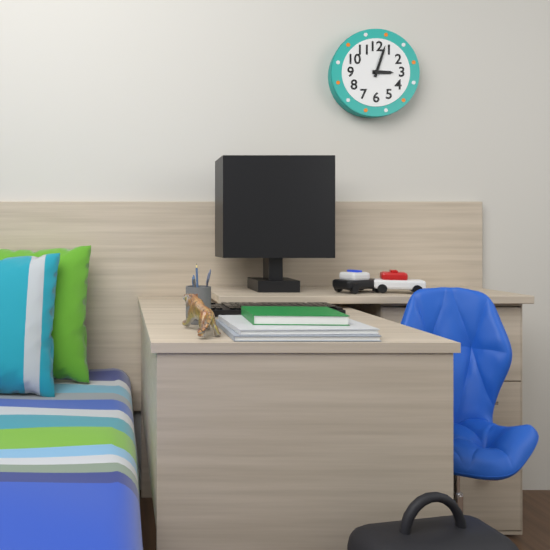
3:03
